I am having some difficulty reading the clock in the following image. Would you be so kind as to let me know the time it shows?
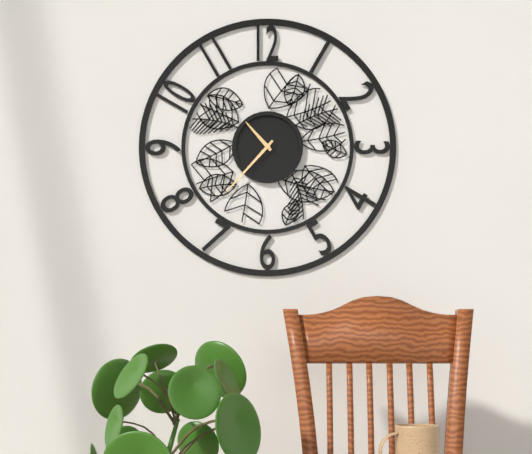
10:37
